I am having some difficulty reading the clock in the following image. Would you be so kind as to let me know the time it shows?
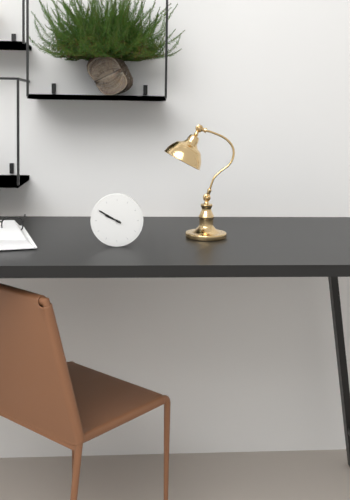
9:50
